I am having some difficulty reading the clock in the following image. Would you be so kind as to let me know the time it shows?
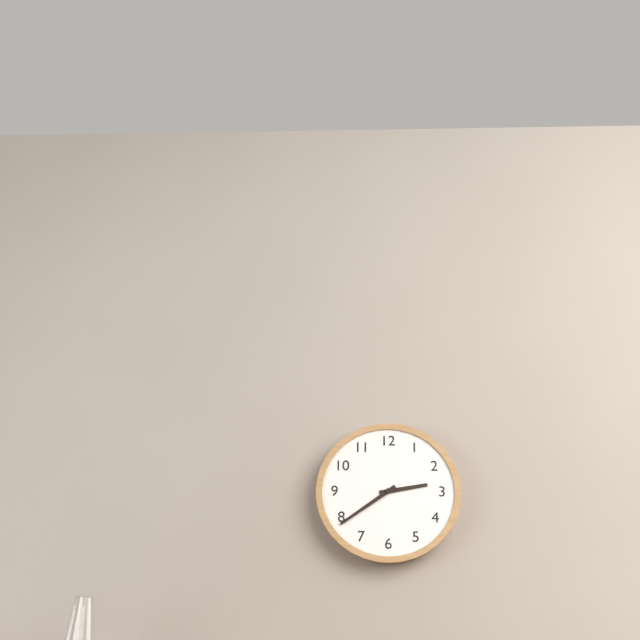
2:39
